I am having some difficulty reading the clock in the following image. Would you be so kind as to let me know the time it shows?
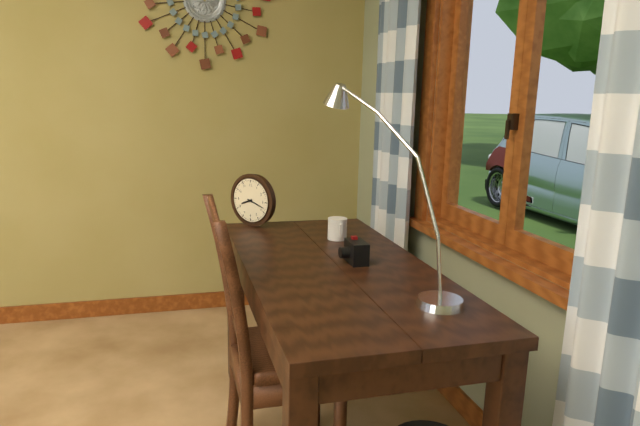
8:18
